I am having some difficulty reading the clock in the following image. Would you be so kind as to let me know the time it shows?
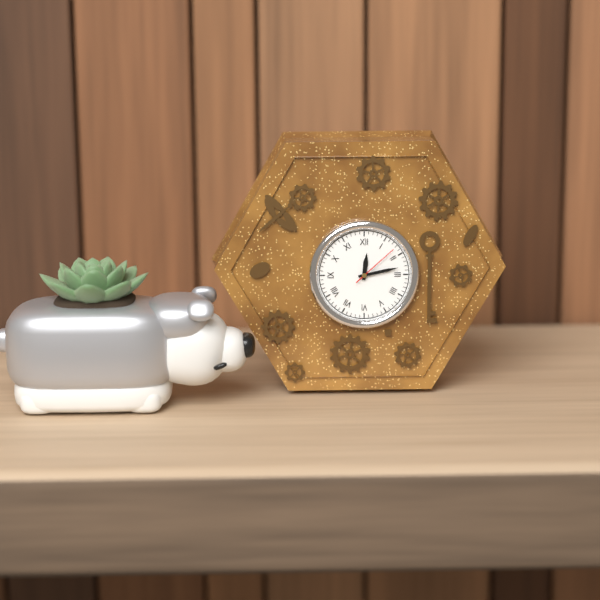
12:13
